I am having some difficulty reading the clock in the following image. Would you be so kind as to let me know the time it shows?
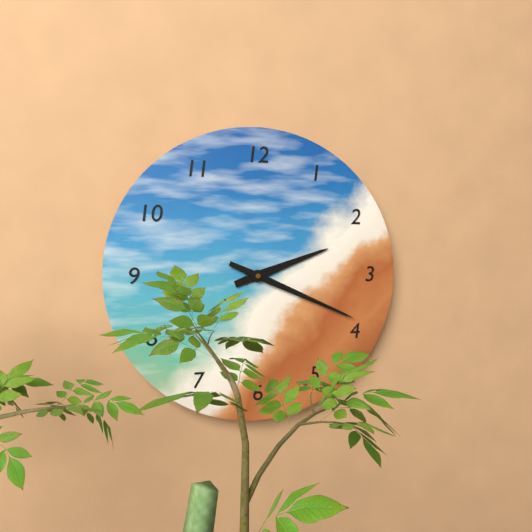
2:19
